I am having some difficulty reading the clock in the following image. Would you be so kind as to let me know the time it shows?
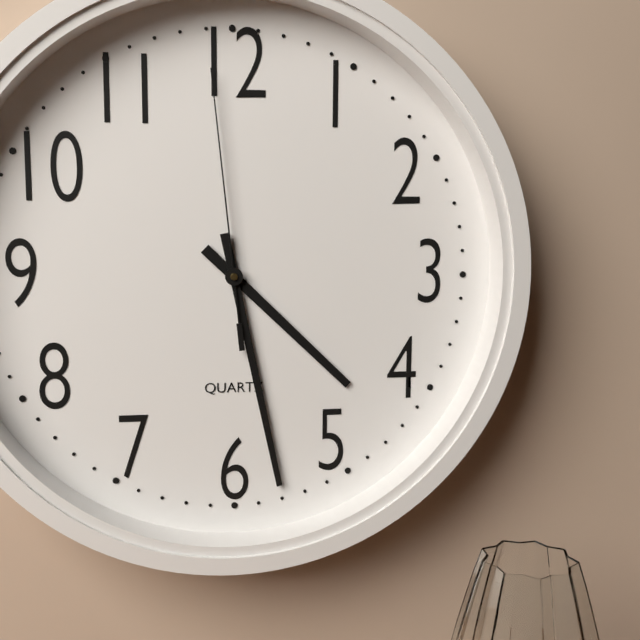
4:28:59
